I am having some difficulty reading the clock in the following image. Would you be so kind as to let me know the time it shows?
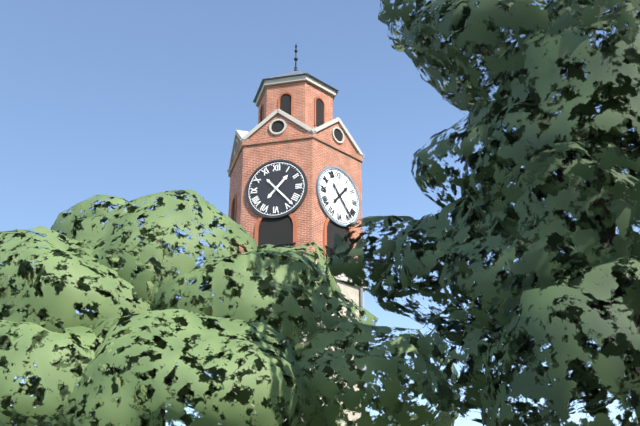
1:23
